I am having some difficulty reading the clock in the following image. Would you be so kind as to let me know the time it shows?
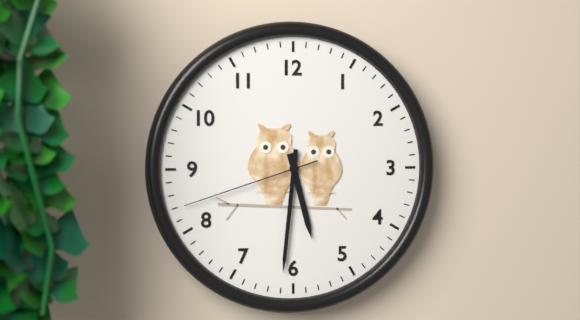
5:31:42
